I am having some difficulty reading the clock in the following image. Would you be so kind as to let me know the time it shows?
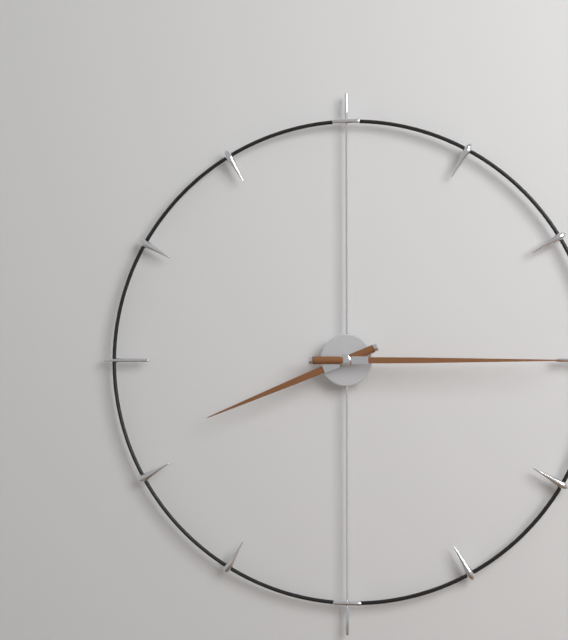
8:15
